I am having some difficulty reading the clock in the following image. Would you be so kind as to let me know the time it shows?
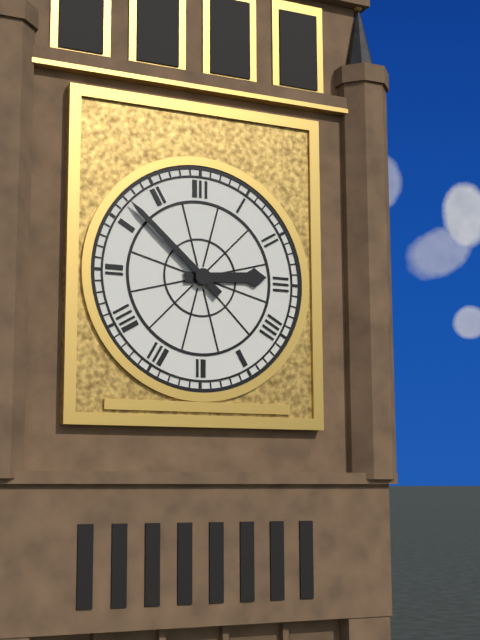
2:52
